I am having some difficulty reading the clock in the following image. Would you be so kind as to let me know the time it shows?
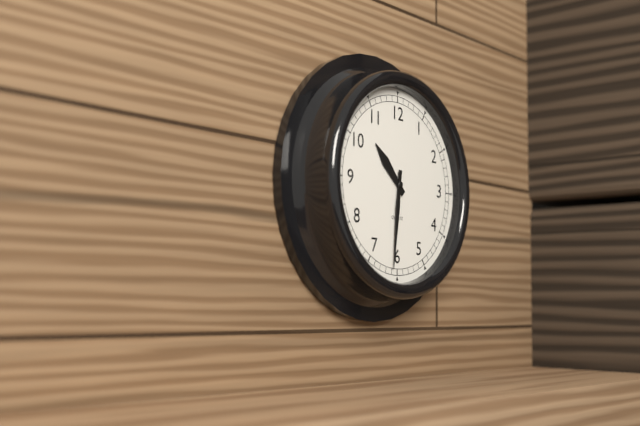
10:31
